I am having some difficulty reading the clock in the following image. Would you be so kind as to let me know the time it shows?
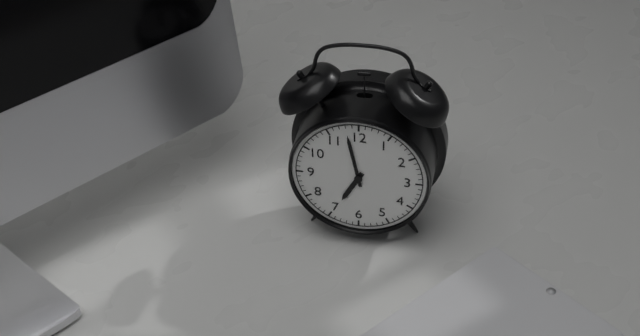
6:58
